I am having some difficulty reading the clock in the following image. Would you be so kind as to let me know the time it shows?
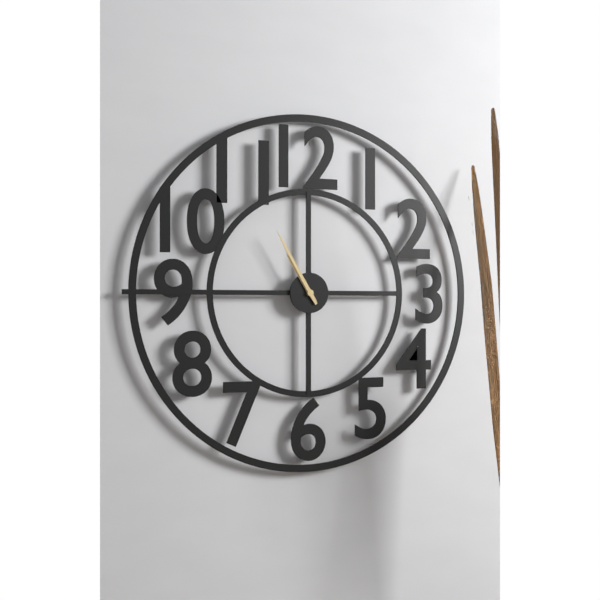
10:55
